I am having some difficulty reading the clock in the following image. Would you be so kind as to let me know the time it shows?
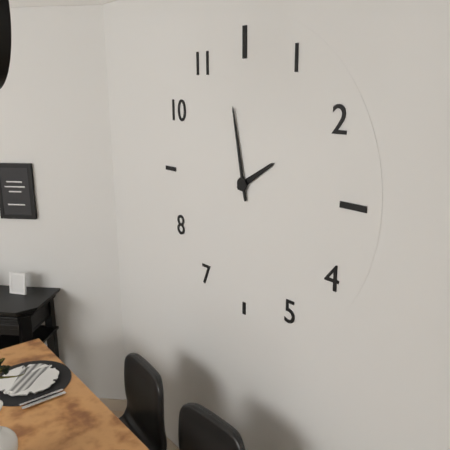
1:58
